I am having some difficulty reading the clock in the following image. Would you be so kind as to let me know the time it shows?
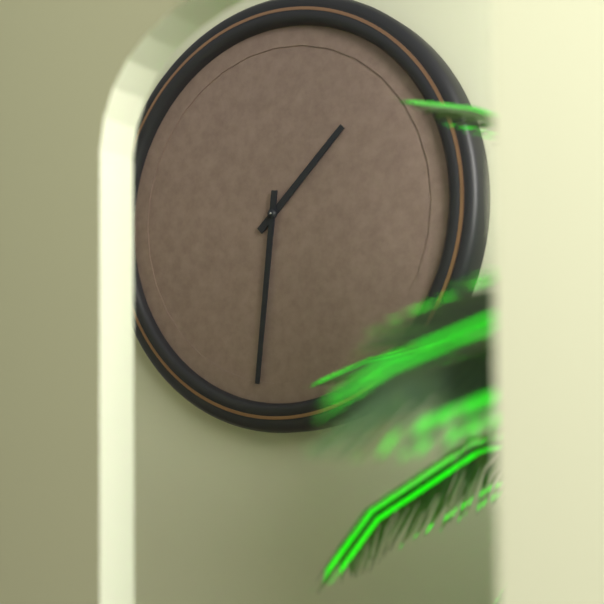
1:31
